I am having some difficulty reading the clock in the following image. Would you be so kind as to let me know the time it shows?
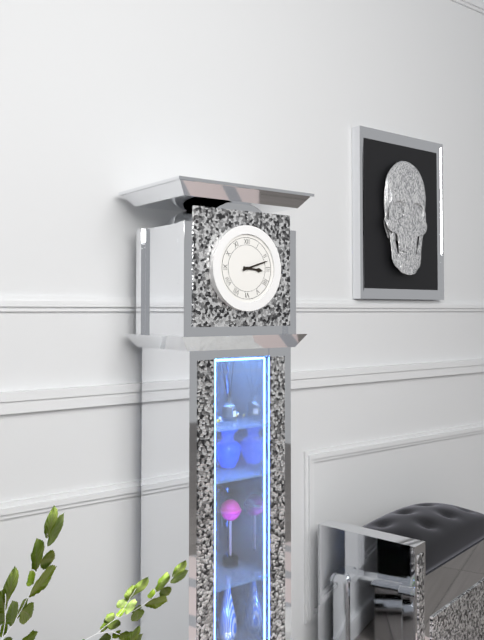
3:12
